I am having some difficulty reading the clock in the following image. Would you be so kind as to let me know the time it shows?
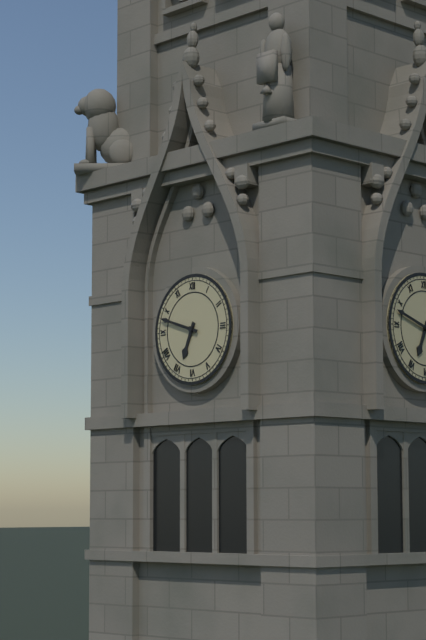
6:48
